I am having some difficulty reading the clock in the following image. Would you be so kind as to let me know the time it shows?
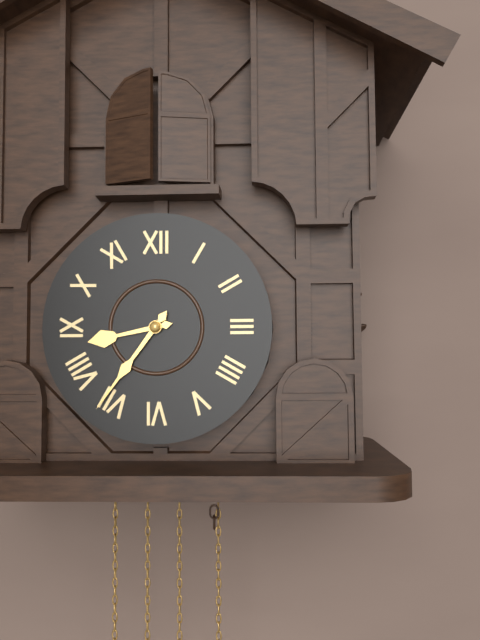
8:36
